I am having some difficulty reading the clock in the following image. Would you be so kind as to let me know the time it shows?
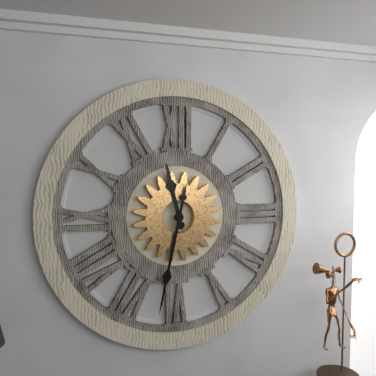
11:32
